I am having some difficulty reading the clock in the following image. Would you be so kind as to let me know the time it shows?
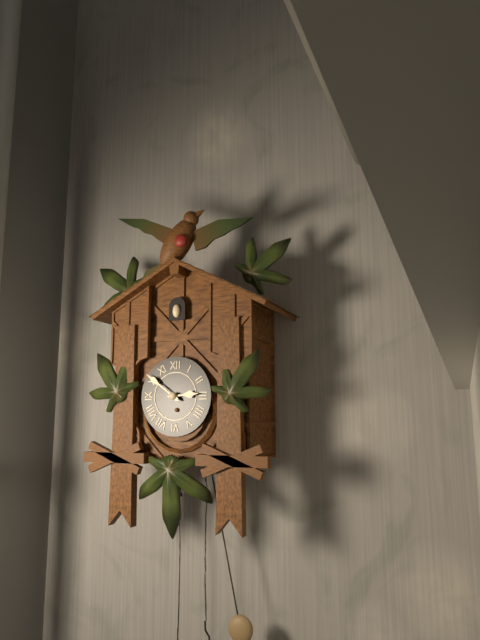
2:51
